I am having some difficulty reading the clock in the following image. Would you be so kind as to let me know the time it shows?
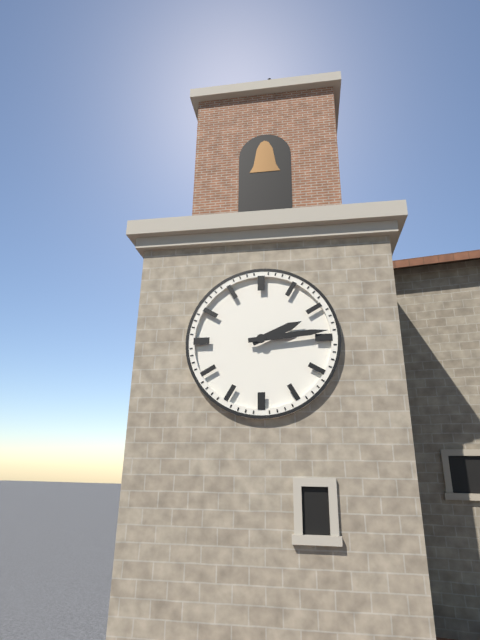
2:14
